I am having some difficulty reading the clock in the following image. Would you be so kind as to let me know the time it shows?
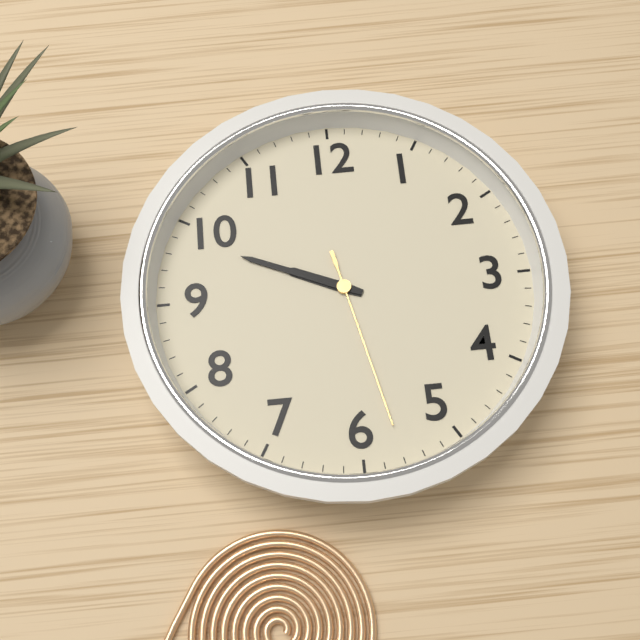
9:49:28
